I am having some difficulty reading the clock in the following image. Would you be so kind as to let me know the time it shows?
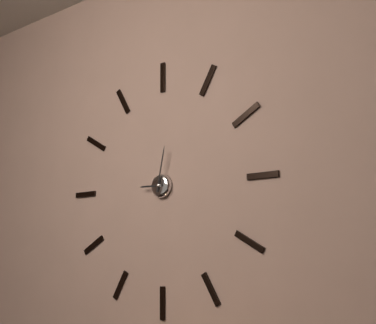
9:02
